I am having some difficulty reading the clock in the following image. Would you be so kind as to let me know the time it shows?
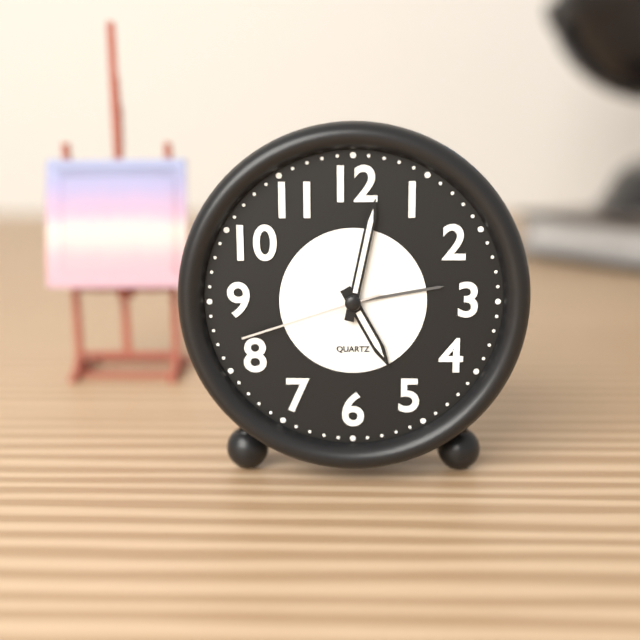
5:02:42
